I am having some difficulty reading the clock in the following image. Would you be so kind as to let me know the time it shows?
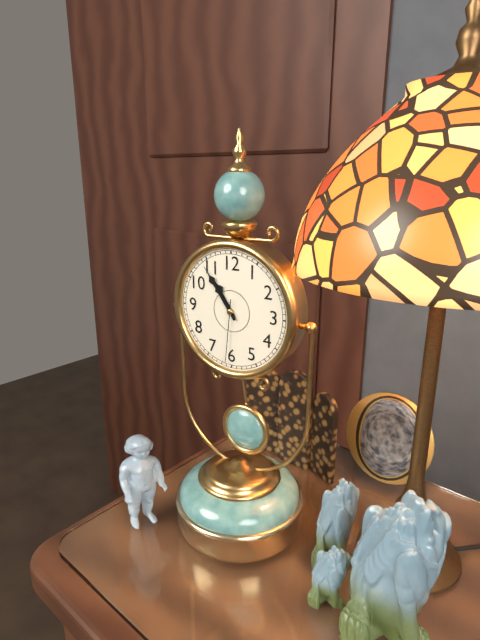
10:54:31
